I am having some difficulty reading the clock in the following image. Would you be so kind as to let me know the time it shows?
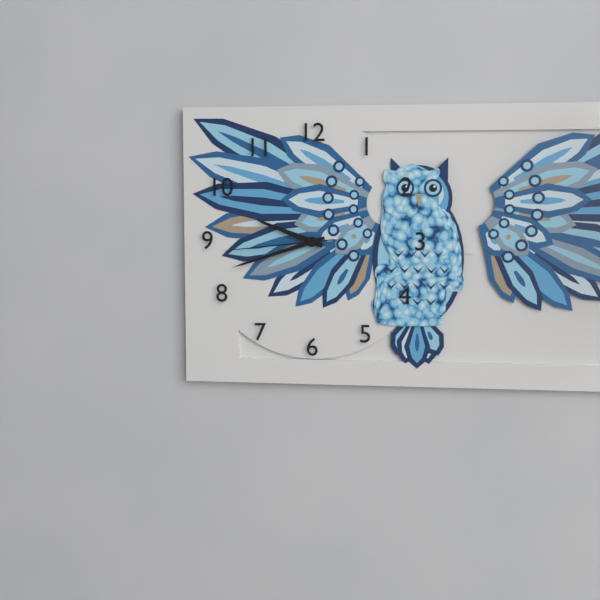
9:42:44
